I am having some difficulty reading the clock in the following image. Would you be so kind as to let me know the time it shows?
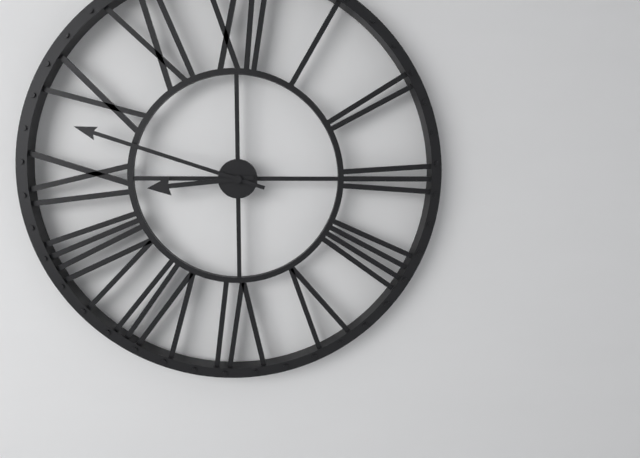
8:48
